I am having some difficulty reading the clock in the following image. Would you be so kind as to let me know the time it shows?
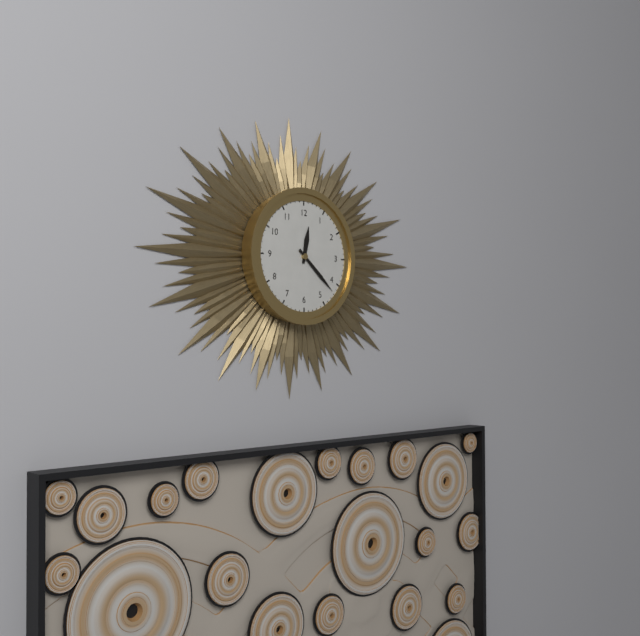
12:22
